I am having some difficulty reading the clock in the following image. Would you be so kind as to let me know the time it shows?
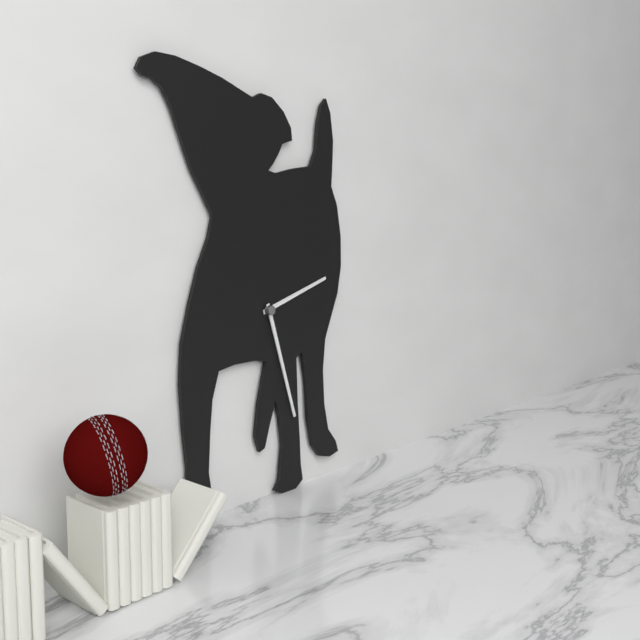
2:27
